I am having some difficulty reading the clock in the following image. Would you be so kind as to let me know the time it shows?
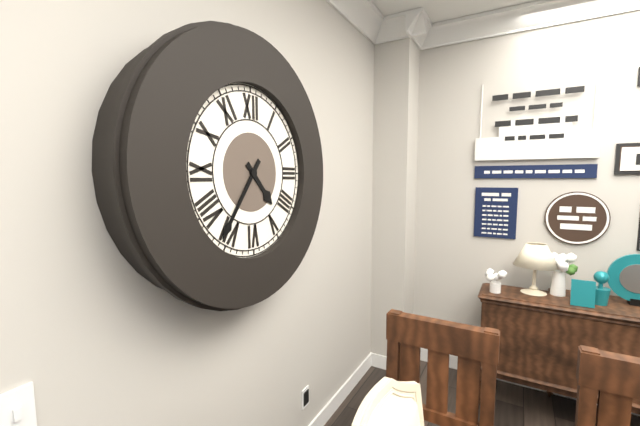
4:36
